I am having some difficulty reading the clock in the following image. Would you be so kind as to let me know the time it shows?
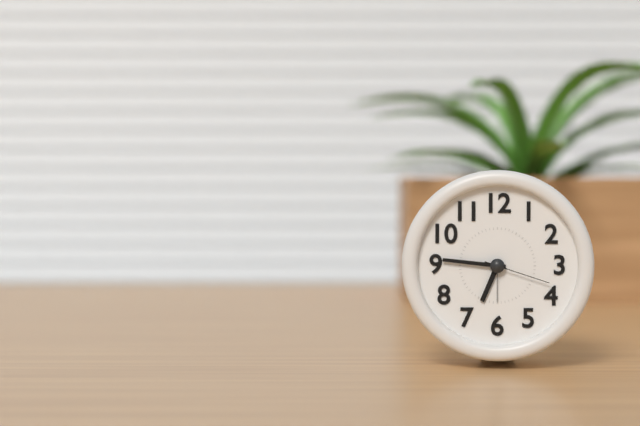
6:46:18
